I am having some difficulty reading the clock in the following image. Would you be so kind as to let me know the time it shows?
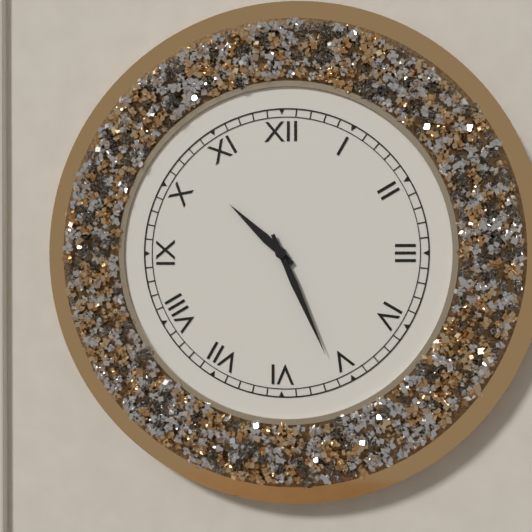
10:26
